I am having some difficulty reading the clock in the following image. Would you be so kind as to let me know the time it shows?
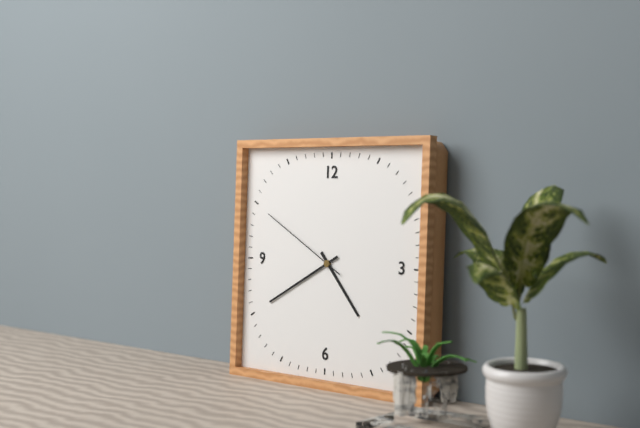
4:40:50
